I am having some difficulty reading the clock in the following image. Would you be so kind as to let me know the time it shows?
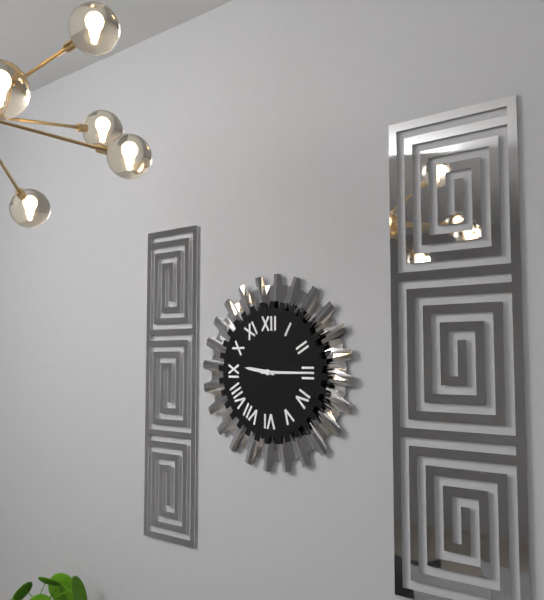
9:15
